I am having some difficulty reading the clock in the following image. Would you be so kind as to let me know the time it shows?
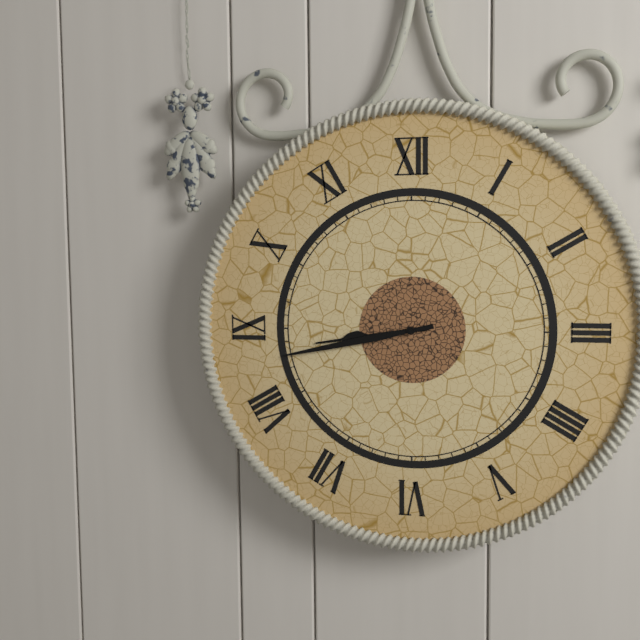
8:43
